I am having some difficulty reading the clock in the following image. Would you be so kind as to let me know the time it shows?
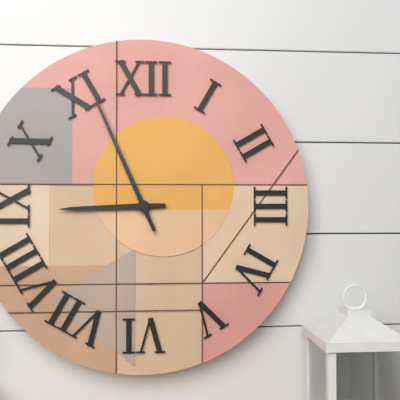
8:56
